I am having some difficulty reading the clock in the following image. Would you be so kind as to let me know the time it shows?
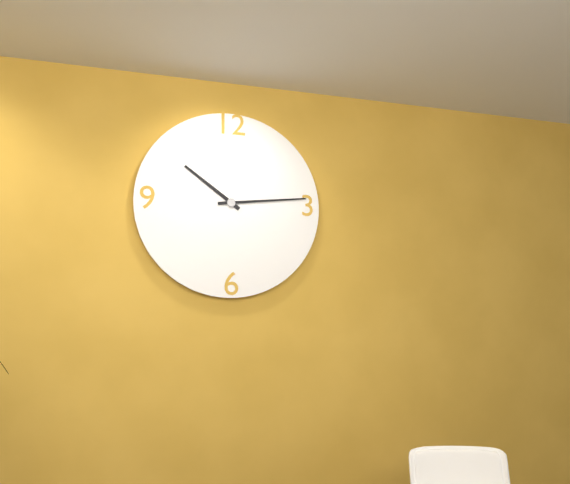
10:14
